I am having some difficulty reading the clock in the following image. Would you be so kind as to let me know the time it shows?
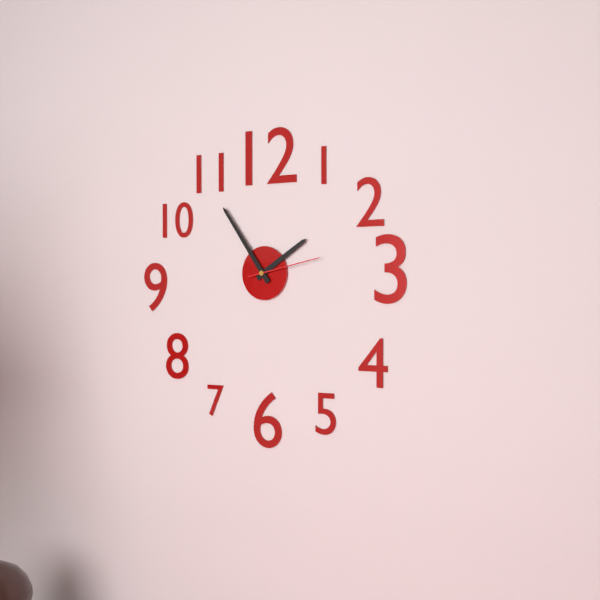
1:54:13
